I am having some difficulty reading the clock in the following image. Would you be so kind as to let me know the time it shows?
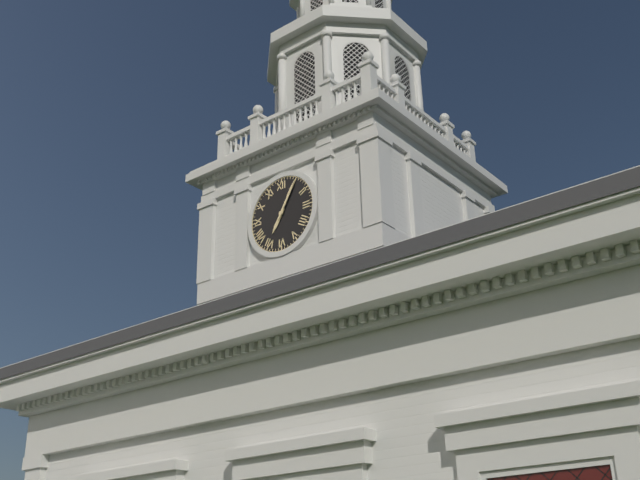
7:05
